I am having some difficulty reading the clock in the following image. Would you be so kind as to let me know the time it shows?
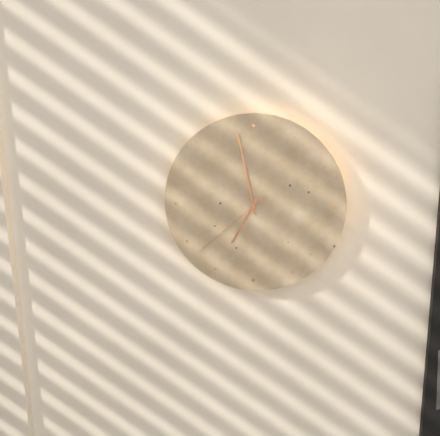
6:58:38
